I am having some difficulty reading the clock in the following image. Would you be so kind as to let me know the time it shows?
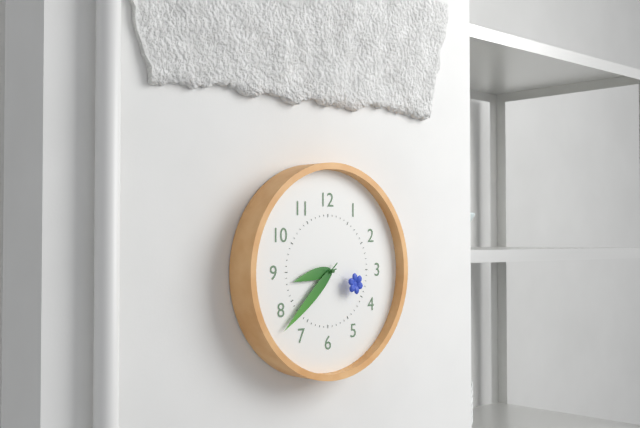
8:38
